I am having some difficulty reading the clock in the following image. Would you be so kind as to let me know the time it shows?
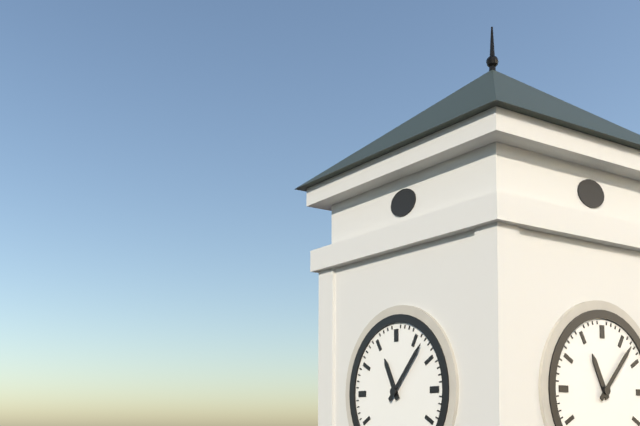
11:07
